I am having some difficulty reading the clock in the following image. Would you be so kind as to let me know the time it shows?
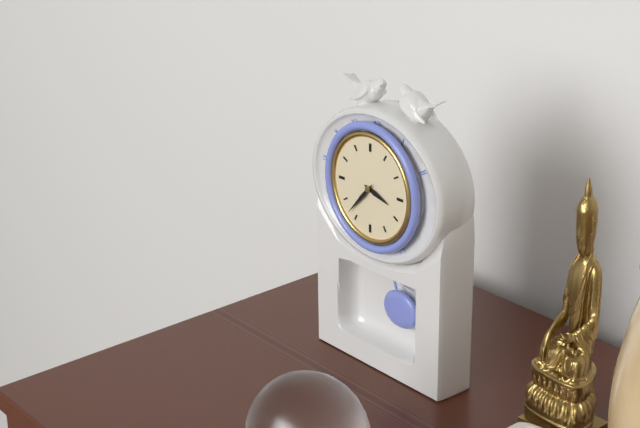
3:37
